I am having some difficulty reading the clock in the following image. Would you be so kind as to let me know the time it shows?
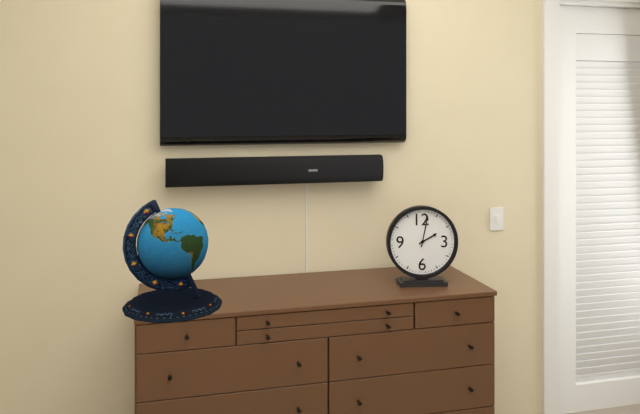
2:02
